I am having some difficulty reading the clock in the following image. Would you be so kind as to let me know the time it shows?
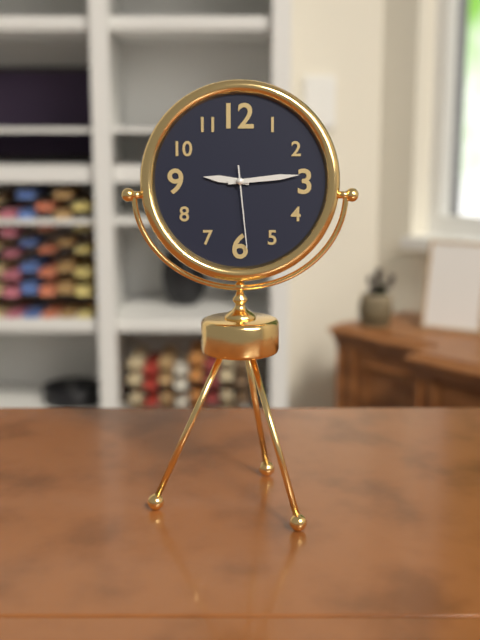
9:14:29
